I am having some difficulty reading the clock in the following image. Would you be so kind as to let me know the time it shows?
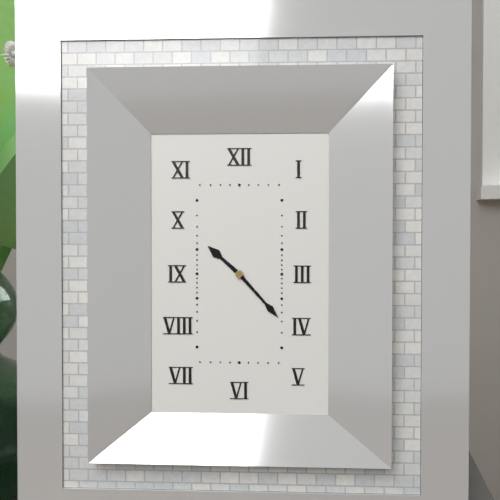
10:23
